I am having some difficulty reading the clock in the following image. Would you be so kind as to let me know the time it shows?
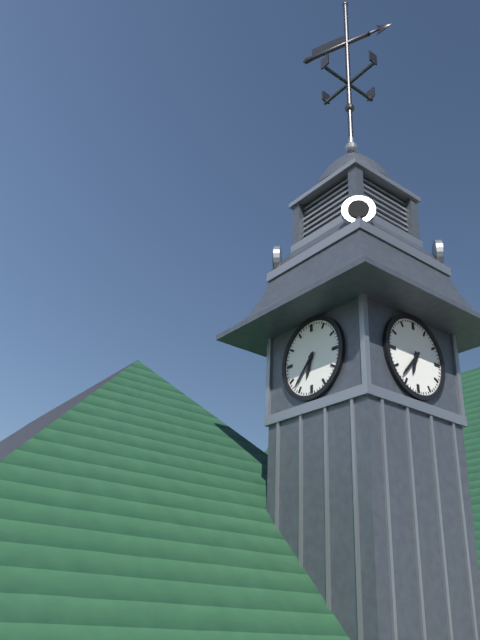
6:37
